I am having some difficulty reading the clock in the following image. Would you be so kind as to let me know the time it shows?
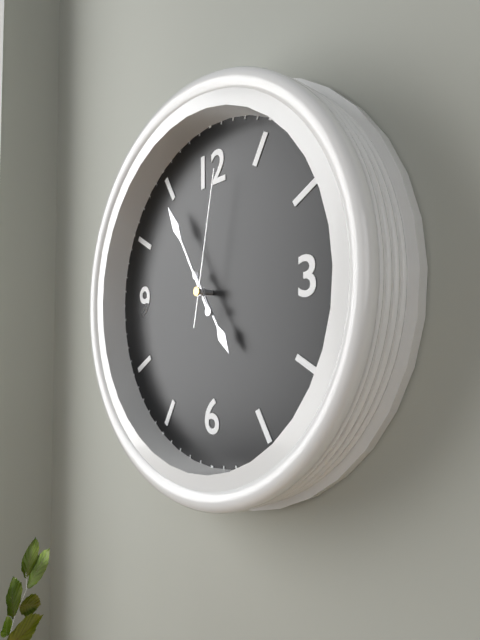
4:55:02
